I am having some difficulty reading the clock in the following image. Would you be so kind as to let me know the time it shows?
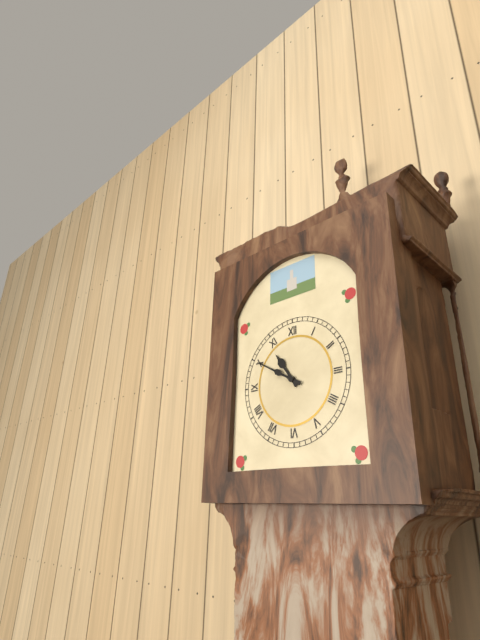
10:50
